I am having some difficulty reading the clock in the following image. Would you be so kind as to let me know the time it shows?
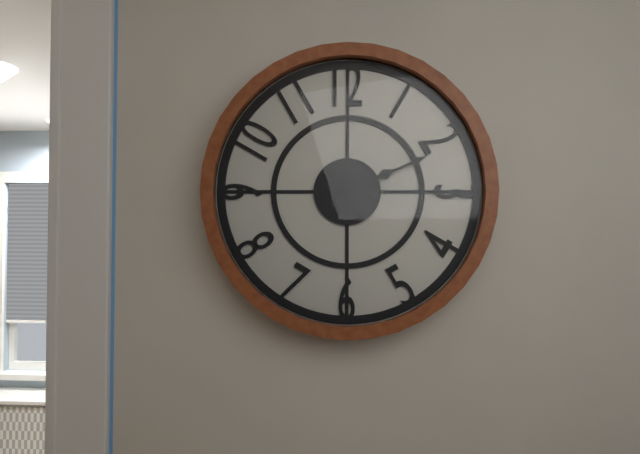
2:11
